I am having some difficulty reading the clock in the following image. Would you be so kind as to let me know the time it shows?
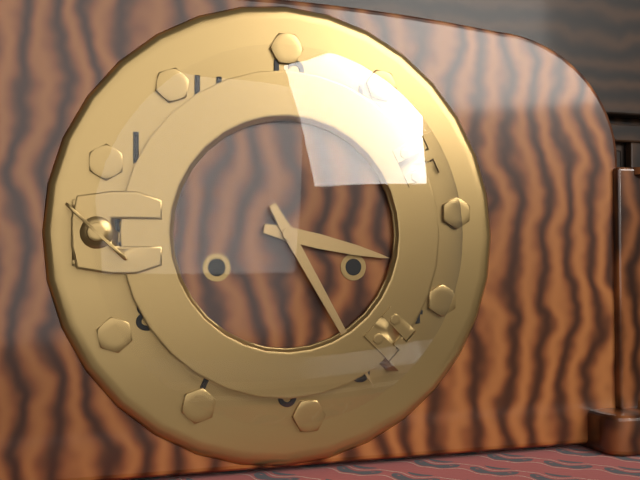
3:25
